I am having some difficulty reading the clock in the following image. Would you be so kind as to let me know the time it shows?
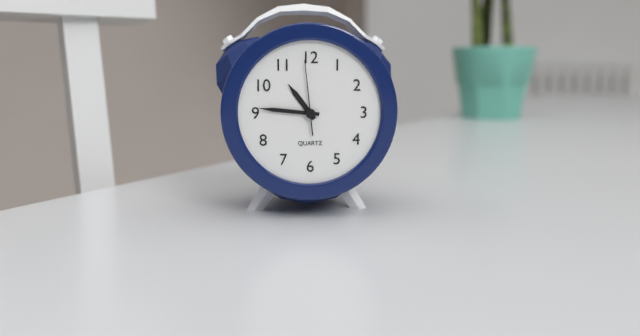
10:46:59
